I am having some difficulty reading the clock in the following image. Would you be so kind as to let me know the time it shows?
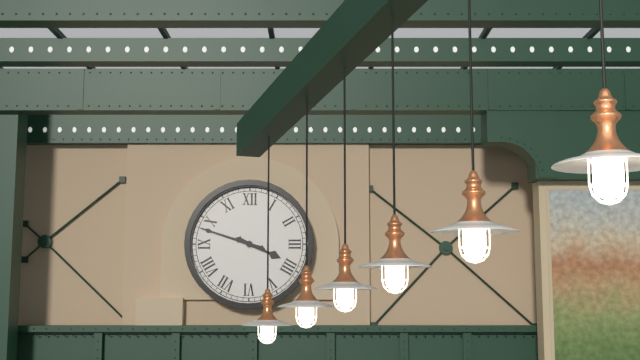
3:48
